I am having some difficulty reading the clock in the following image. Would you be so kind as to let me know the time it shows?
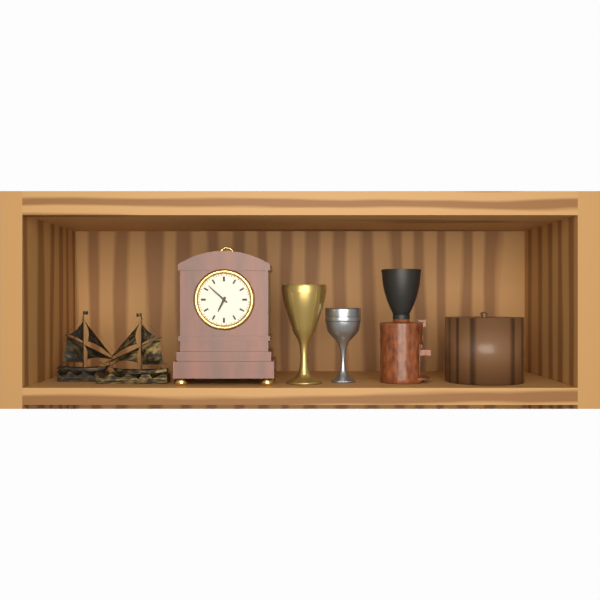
6:52
